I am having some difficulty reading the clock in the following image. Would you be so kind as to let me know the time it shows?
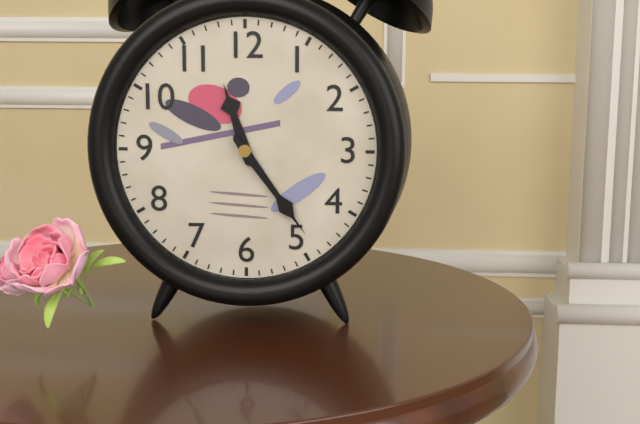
11:24
